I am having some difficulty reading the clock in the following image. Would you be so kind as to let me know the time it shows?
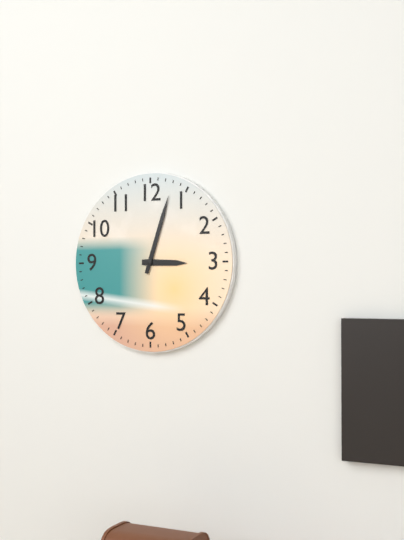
3:03
